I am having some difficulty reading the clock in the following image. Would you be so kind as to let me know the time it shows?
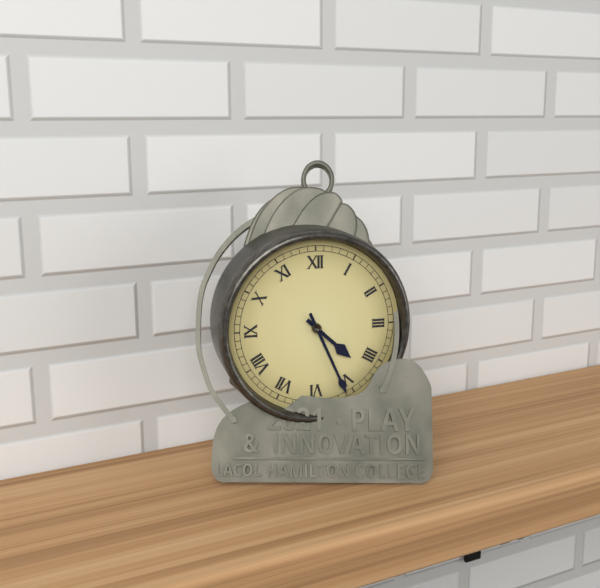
4:26
